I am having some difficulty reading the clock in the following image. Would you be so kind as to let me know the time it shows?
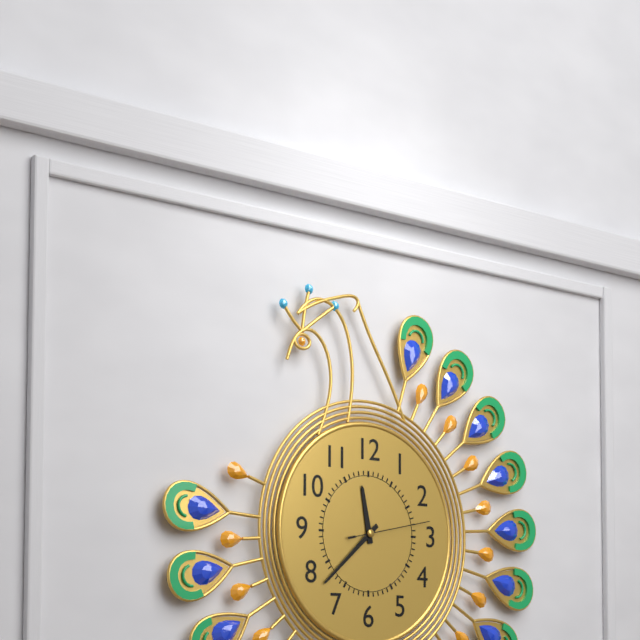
11:38:13
